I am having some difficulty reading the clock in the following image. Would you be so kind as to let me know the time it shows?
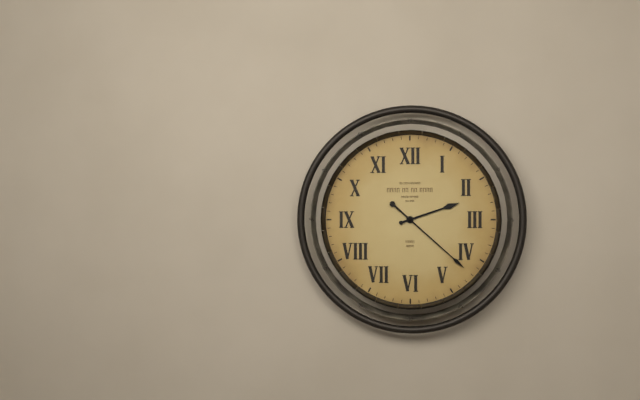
2:22
